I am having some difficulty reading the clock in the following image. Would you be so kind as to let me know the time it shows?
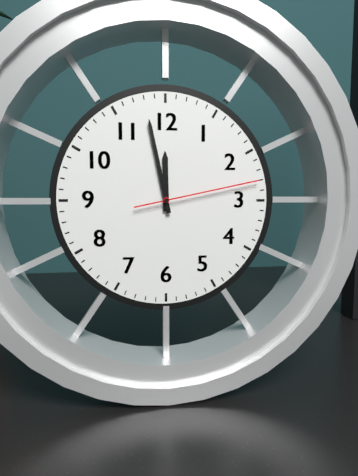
11:58:13
